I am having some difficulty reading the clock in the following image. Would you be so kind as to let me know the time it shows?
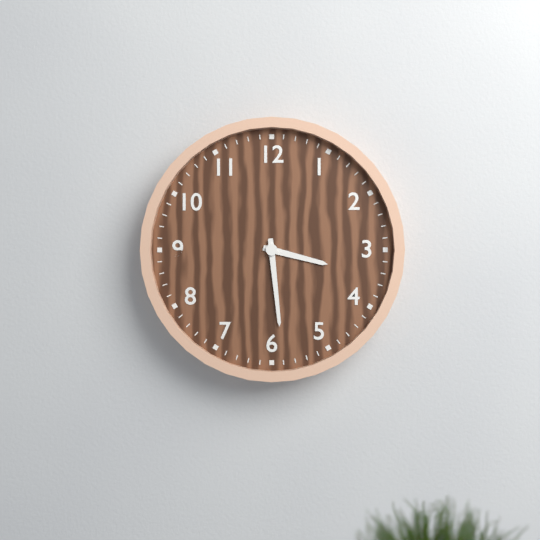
3:29
